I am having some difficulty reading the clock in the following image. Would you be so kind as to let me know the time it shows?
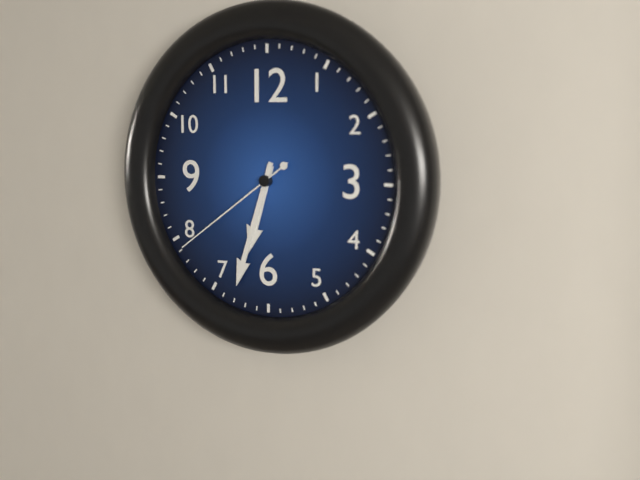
6:33:39
